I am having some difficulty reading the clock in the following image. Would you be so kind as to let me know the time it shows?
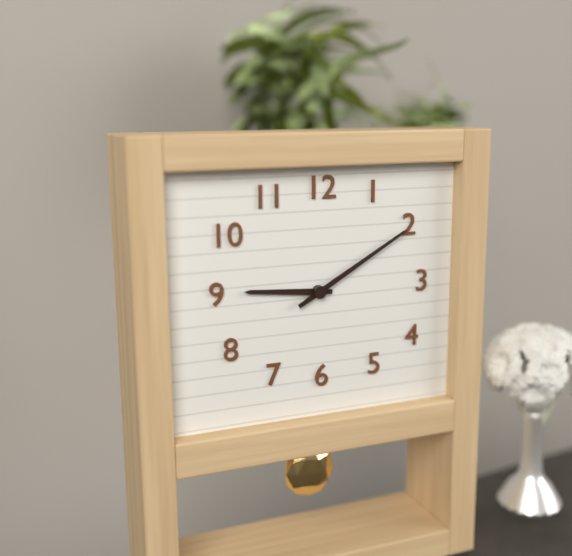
9:10
